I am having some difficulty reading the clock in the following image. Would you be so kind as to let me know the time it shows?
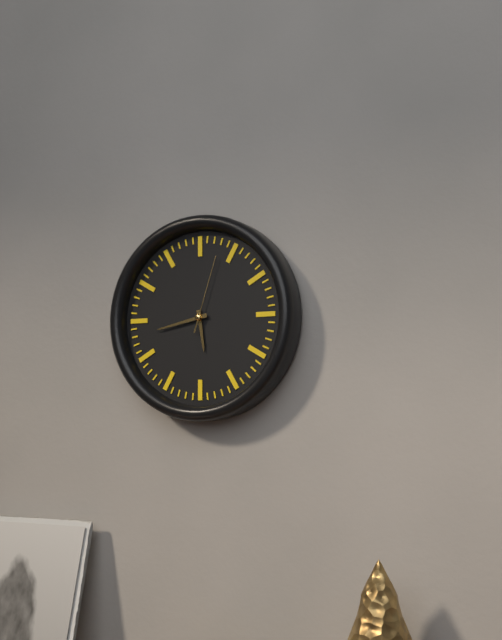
5:43:03
